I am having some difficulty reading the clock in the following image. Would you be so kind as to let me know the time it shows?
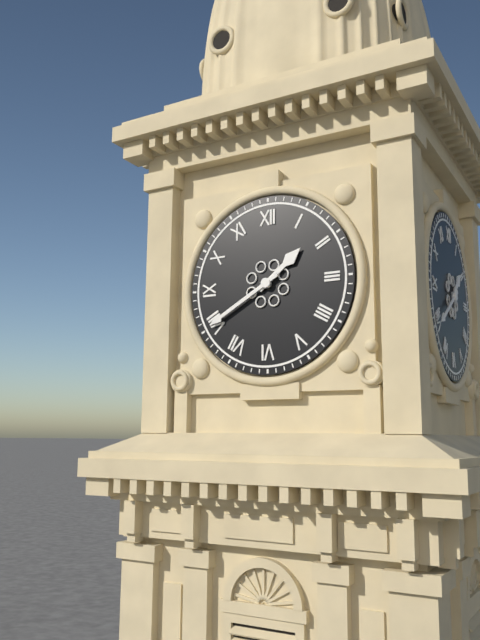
1:40
